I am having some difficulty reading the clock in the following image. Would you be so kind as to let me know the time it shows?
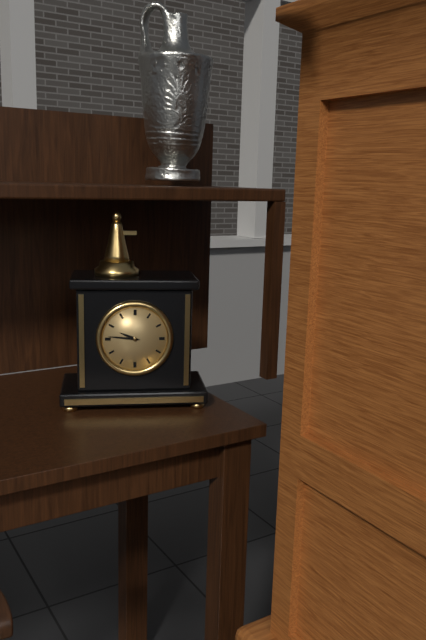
9:46
